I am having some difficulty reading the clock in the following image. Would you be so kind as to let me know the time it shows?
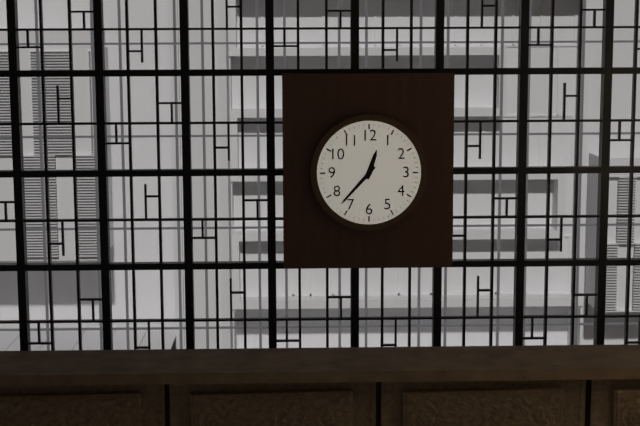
12:37
